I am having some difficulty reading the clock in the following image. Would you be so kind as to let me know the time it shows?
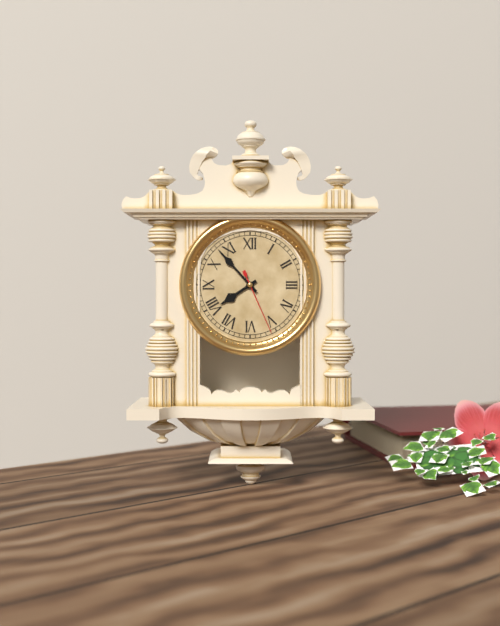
7:53:26
